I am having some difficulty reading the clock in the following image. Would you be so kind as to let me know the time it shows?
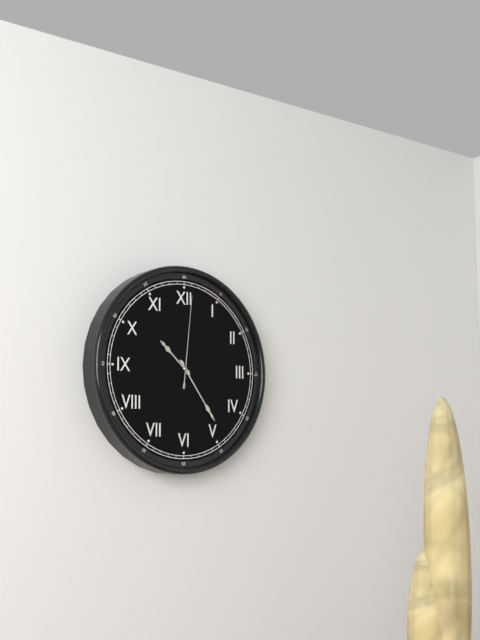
10:24:01
